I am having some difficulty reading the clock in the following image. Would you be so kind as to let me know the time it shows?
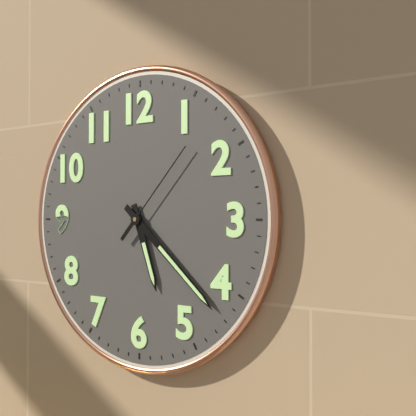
5:22:07
